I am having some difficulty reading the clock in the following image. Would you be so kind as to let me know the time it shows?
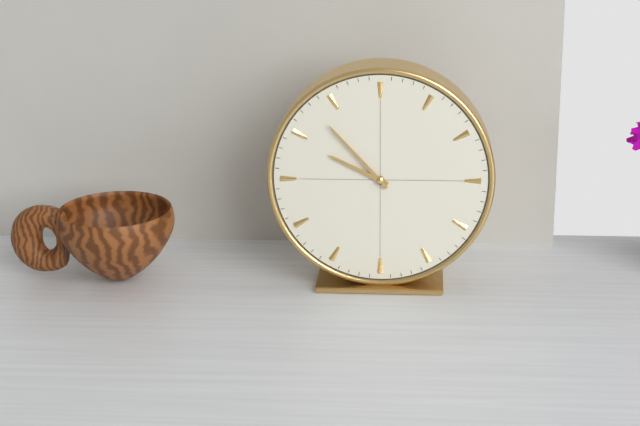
9:53
